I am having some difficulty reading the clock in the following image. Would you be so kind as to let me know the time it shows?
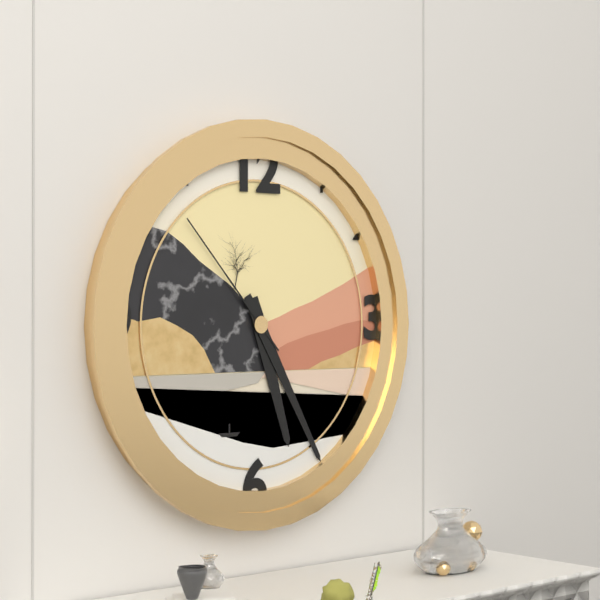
5:25:53
